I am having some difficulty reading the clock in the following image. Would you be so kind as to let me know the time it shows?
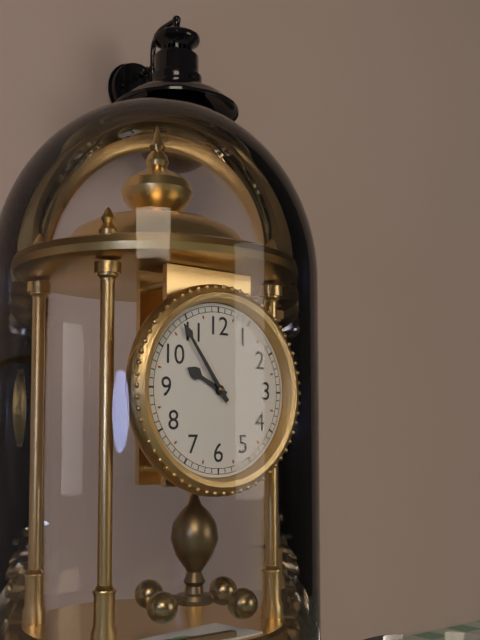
9:54
